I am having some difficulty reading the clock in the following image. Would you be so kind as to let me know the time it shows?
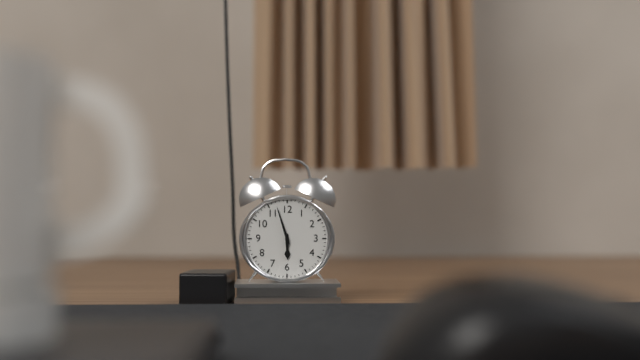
5:57
